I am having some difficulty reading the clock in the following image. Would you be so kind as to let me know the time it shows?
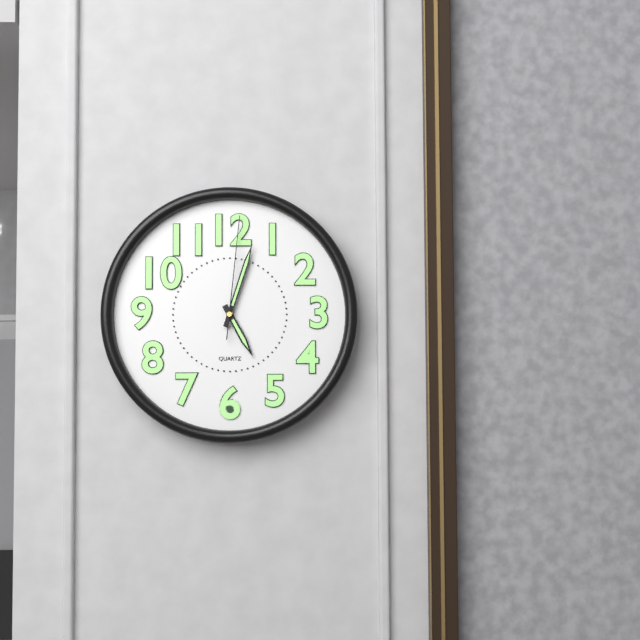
5:03:01
